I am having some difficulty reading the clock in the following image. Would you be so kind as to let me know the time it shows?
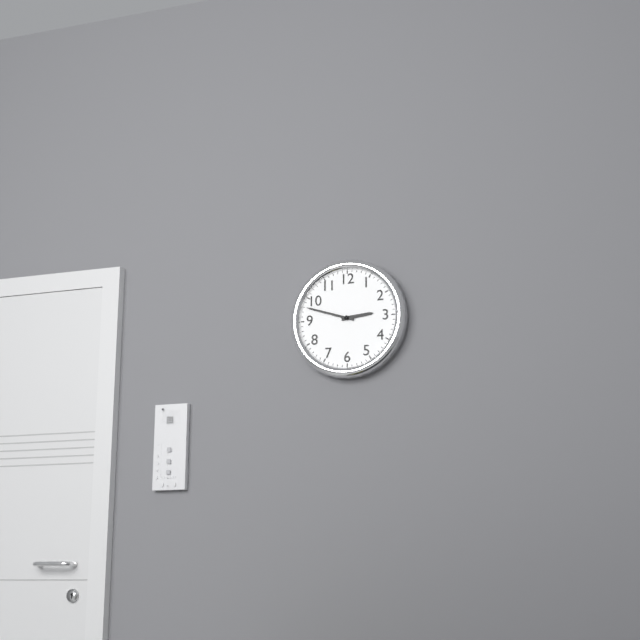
2:48
